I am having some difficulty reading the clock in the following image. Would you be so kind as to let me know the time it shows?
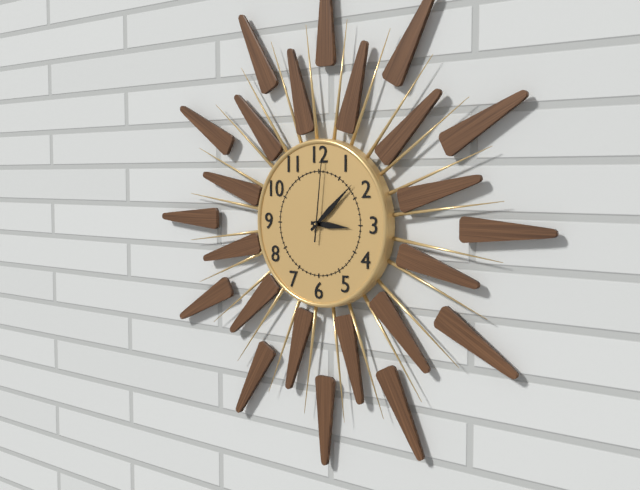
3:08:01
